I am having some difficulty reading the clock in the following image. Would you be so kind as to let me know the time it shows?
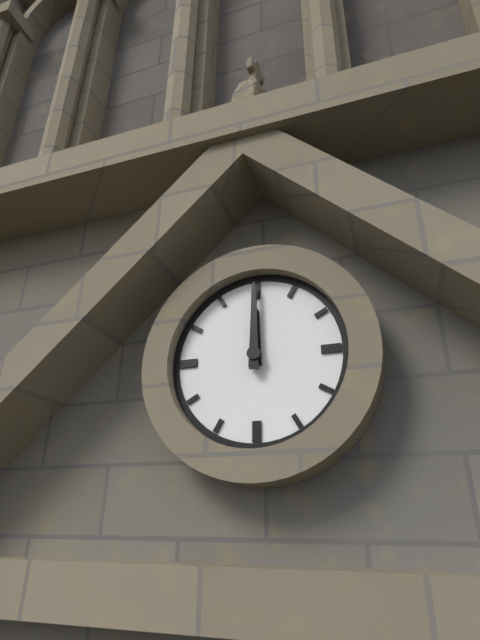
12:00
